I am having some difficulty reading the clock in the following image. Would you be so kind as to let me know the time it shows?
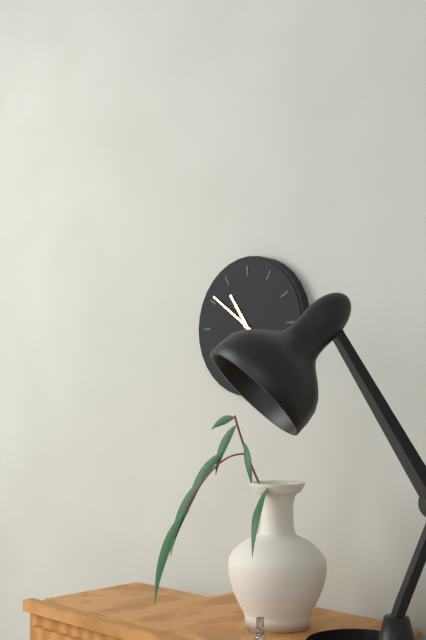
10:51
